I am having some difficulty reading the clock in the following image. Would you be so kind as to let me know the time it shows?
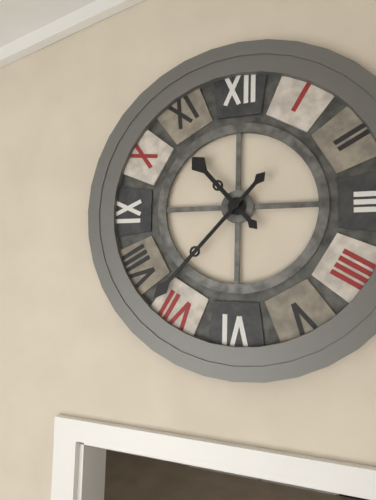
10:37
